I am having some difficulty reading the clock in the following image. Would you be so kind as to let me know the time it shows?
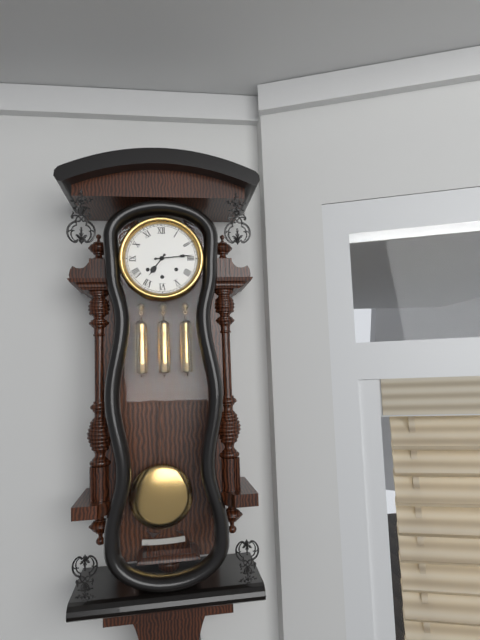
7:14
